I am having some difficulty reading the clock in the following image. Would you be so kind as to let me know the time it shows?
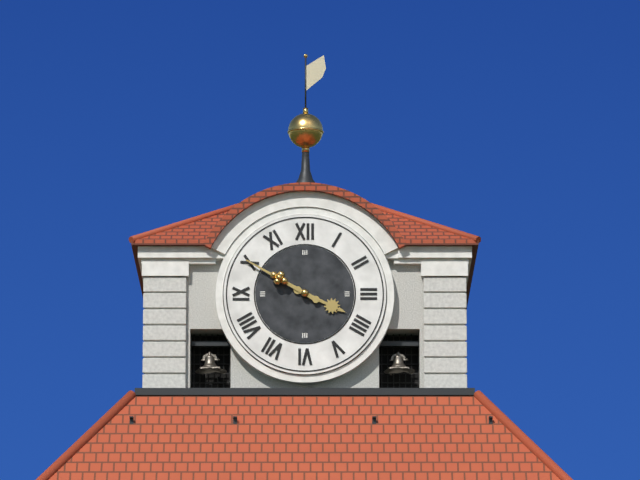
3:50
